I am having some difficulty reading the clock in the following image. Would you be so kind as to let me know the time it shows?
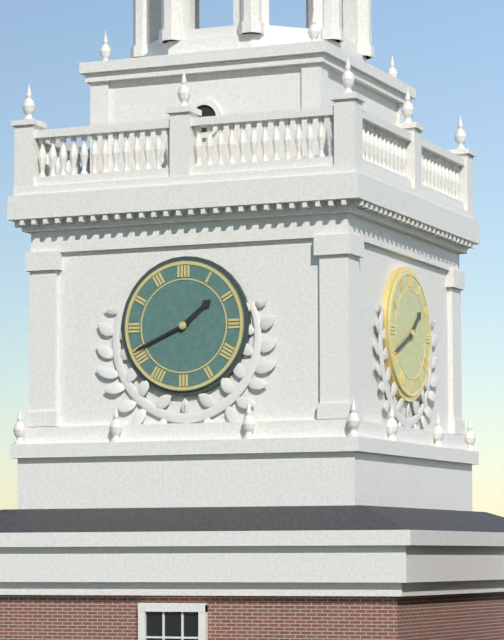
1:41
